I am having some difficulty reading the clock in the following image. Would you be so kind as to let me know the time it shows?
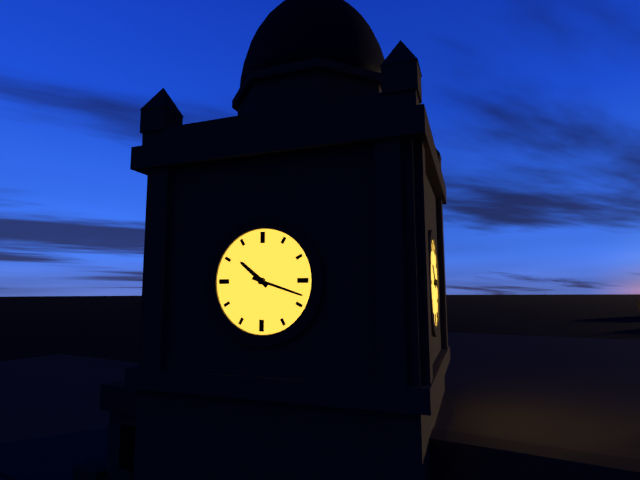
10:18
